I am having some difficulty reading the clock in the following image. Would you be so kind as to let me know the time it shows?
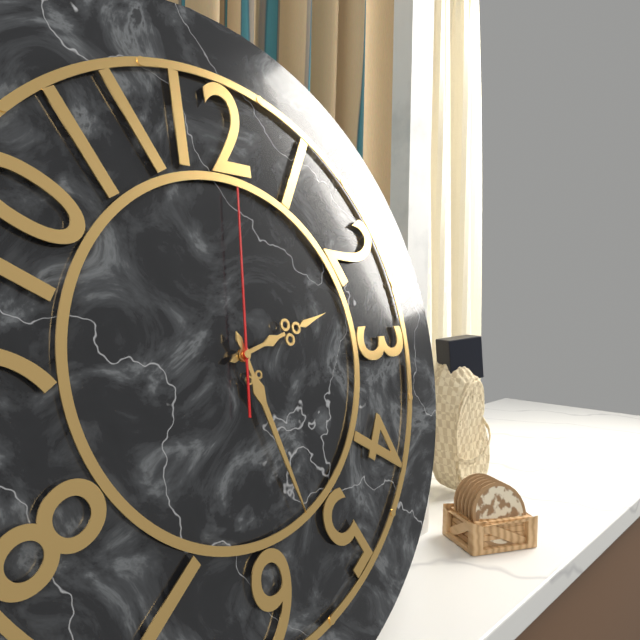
2:27:01
